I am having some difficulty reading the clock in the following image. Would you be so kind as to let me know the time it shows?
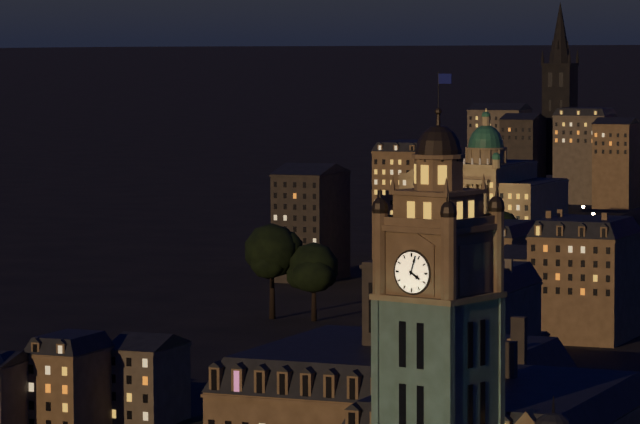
4:03
